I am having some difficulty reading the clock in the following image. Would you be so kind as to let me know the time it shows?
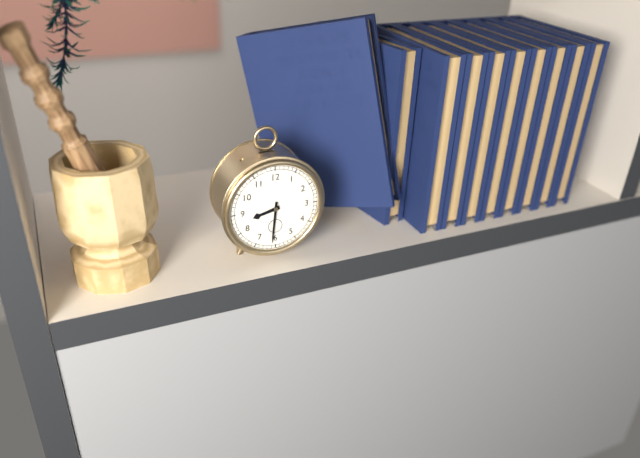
8:31
